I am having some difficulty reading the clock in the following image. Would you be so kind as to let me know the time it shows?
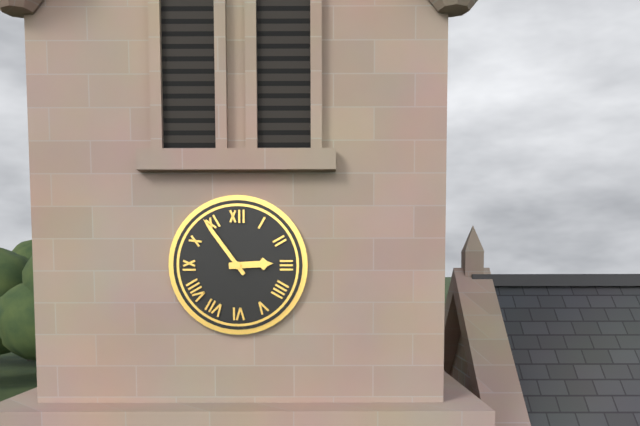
2:54
